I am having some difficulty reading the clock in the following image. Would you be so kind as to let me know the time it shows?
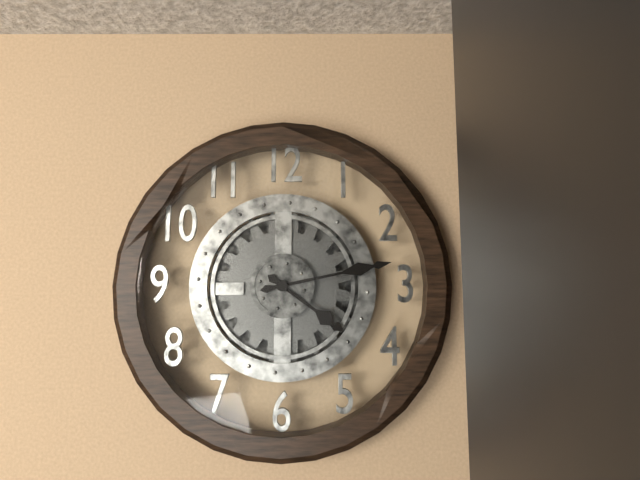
4:13
